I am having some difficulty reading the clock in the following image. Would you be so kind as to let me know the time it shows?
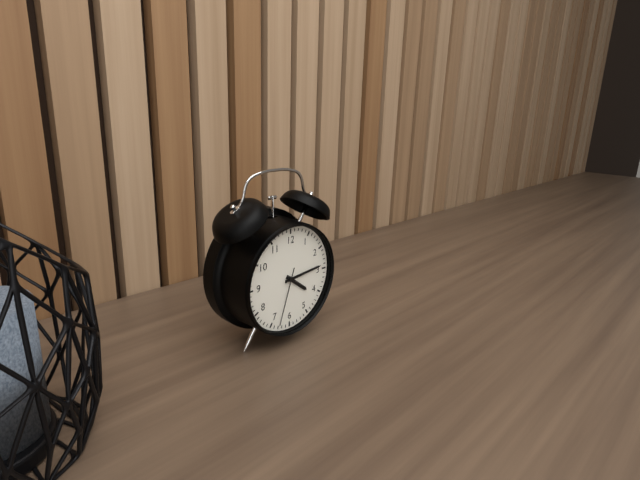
4:14:33
